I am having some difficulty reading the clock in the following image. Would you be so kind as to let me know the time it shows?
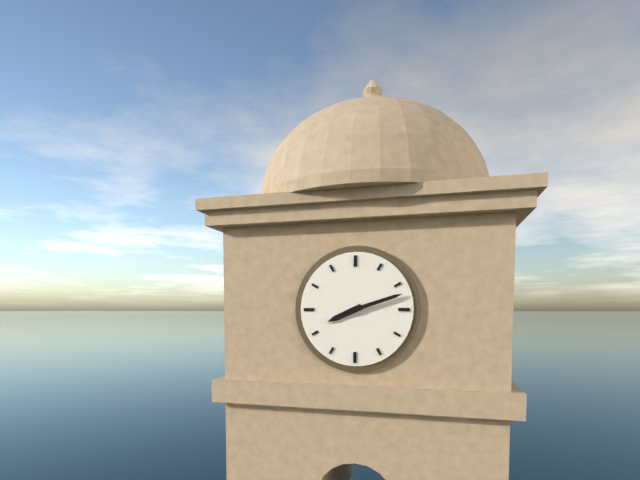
8:12
